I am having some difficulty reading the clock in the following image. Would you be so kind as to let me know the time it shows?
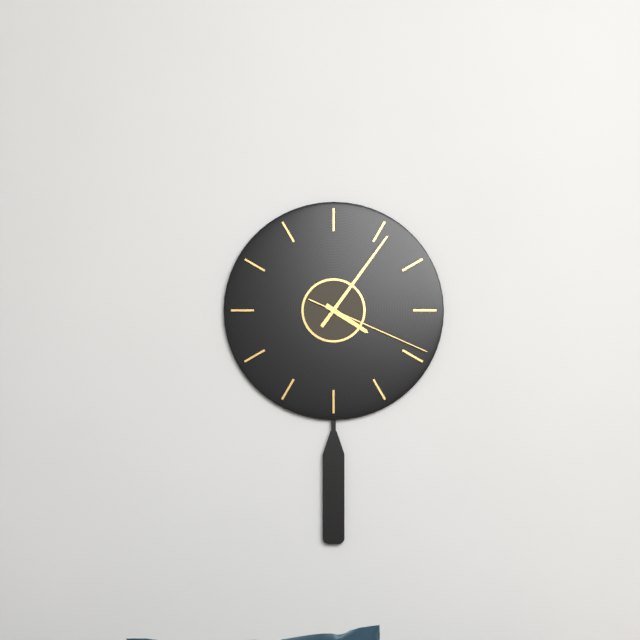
4:06:19
